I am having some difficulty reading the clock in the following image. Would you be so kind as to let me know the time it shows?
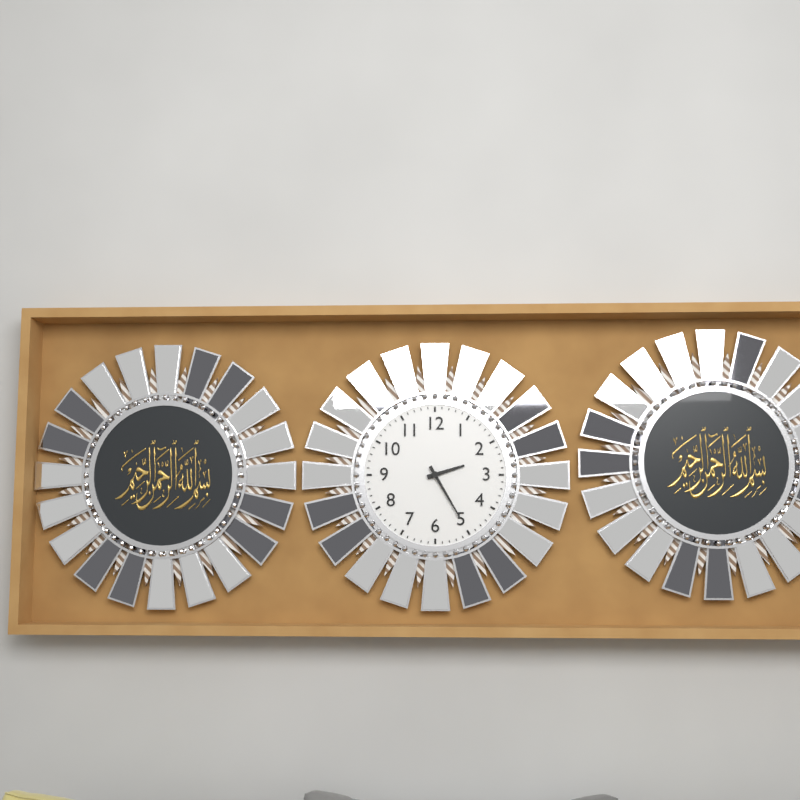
2:25
